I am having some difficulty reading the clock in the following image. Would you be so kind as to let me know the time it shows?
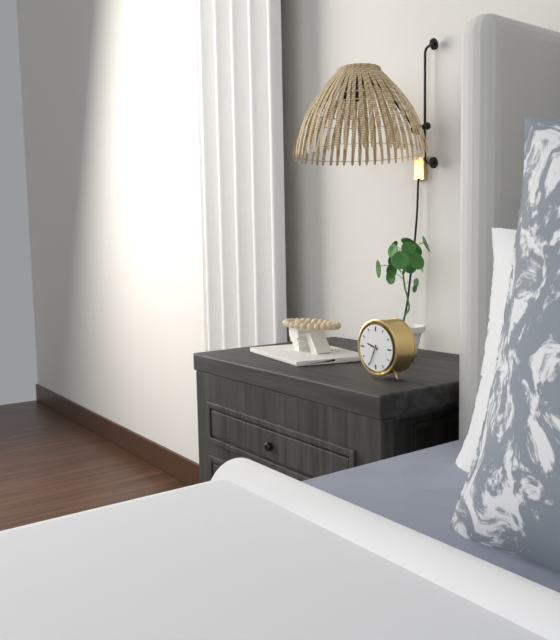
9:34
